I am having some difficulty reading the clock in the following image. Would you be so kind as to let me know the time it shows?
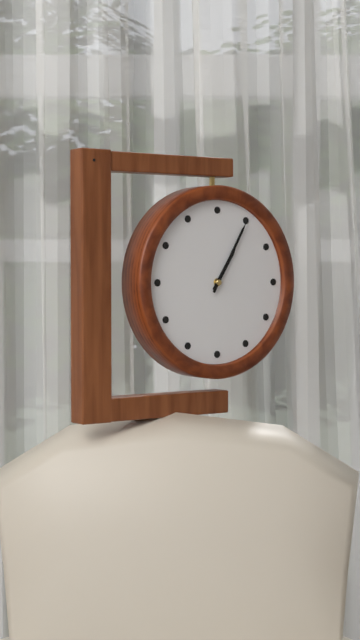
1:05
